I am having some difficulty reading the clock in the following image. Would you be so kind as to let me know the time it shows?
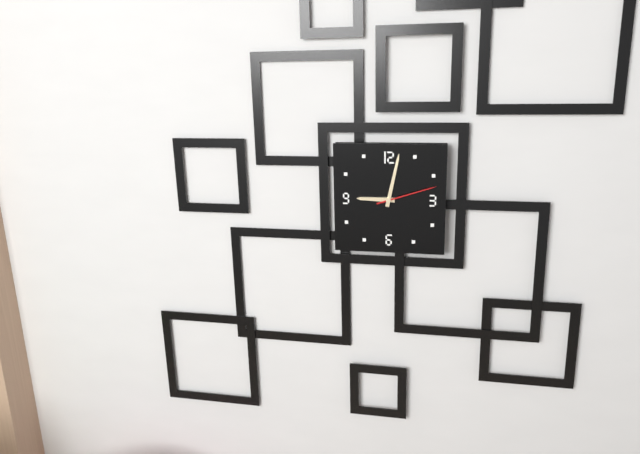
9:02:12
